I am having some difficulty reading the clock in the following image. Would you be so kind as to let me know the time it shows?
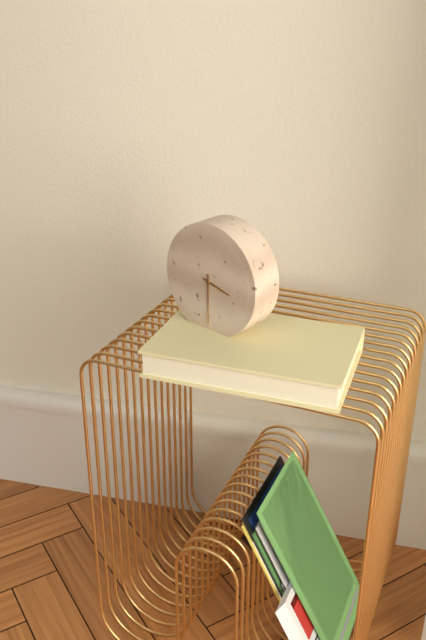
3:30
